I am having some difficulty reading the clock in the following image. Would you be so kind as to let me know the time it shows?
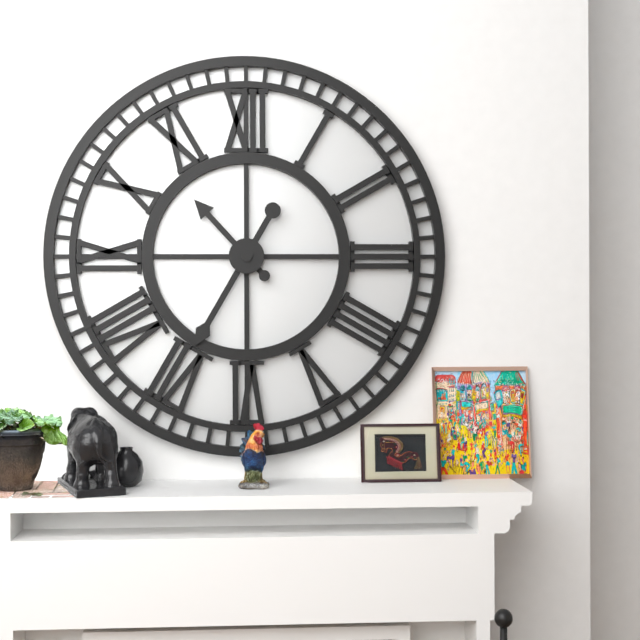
10:35
